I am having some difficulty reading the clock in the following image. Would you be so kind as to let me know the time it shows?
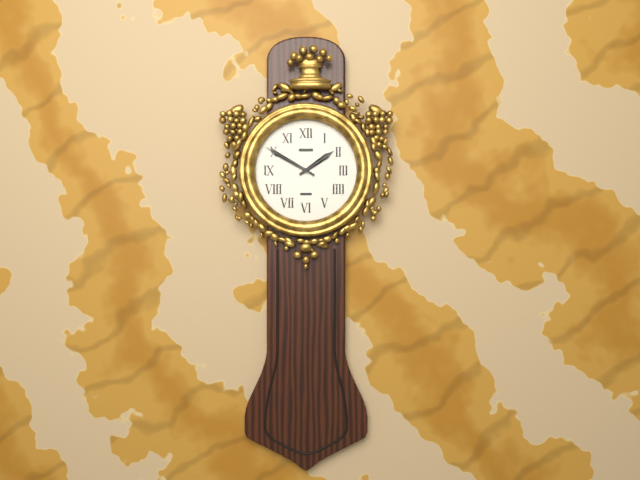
1:50
